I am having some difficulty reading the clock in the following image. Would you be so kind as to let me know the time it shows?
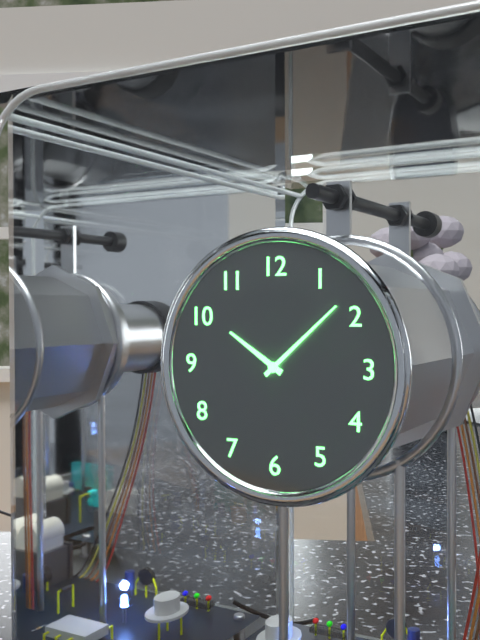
10:08
